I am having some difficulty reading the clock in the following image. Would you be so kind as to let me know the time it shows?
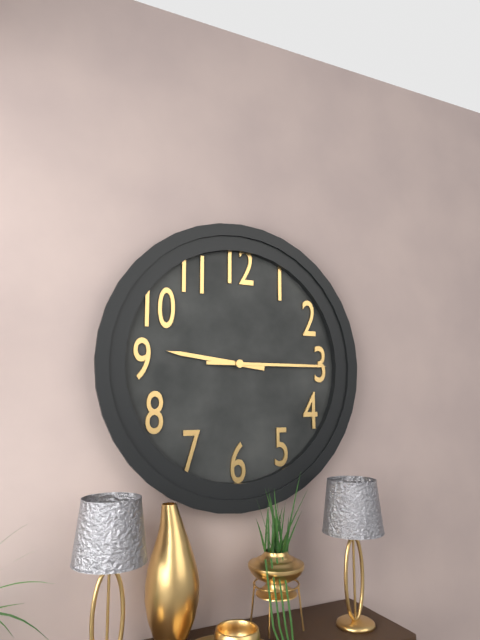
9:15
